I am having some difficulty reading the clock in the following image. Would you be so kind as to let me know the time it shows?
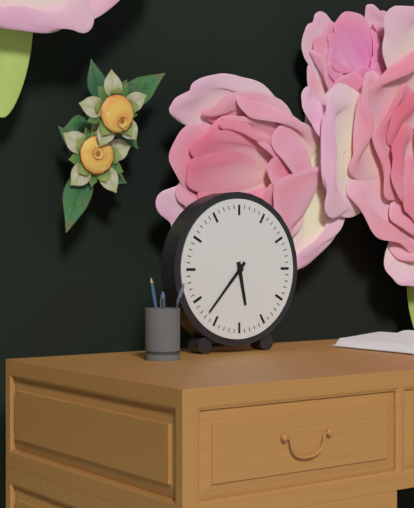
5:37
